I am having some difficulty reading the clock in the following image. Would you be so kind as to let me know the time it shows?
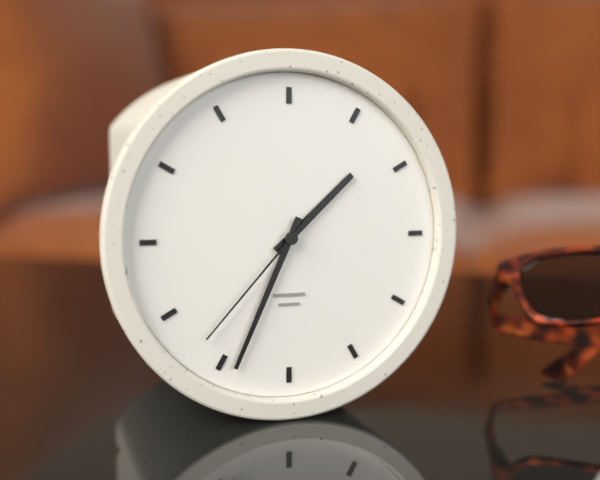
1:34:37
